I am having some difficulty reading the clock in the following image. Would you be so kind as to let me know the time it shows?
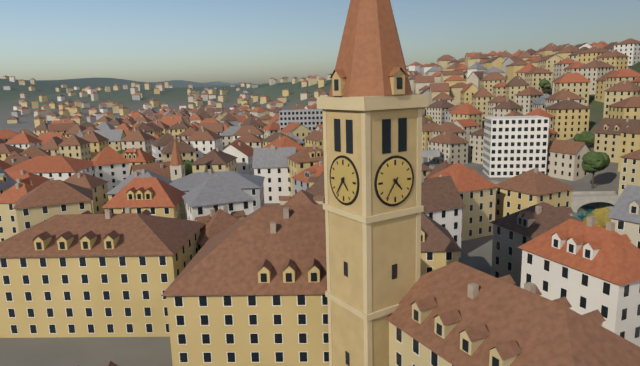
4:36
